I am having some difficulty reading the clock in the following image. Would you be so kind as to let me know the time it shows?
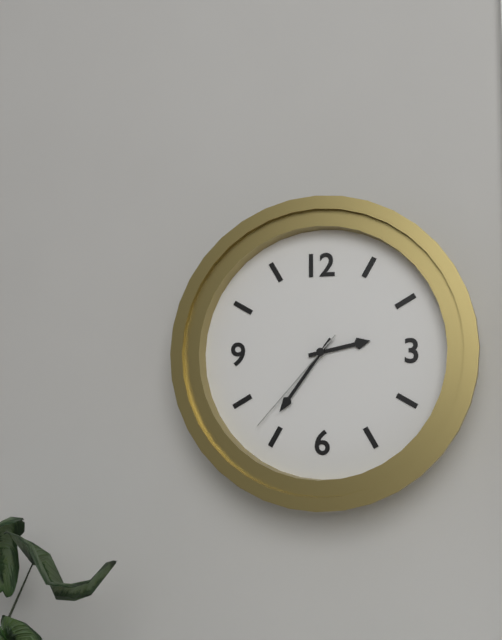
2:36:37
